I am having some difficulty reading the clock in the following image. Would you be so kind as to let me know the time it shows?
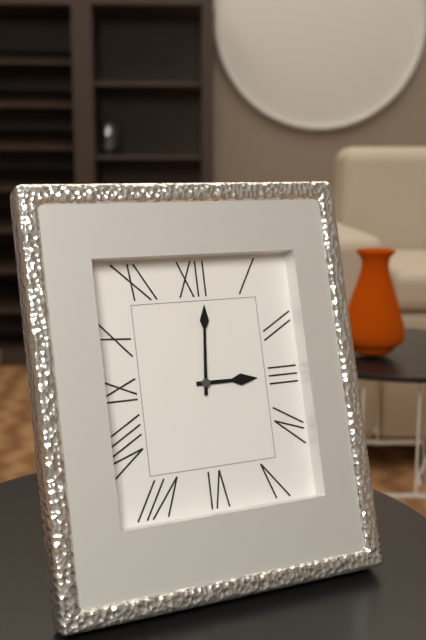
3:01
